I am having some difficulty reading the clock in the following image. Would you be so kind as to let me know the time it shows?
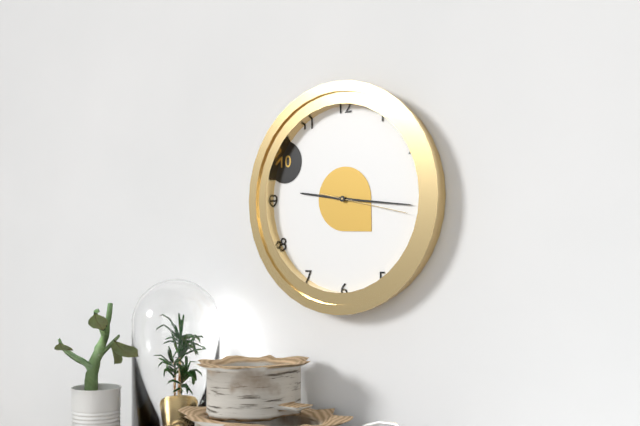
9:16:17
